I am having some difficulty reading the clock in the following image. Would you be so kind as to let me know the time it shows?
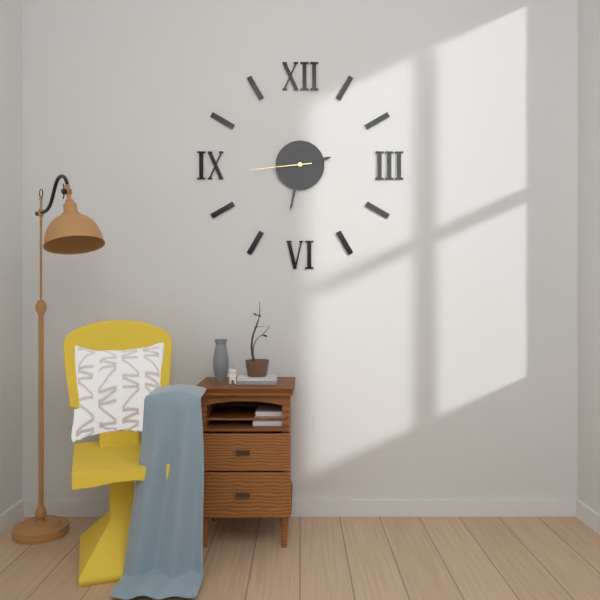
2:32:44
